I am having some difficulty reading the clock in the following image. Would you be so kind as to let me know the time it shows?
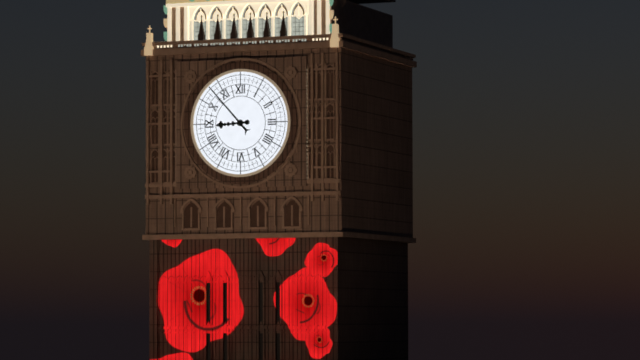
8:53
